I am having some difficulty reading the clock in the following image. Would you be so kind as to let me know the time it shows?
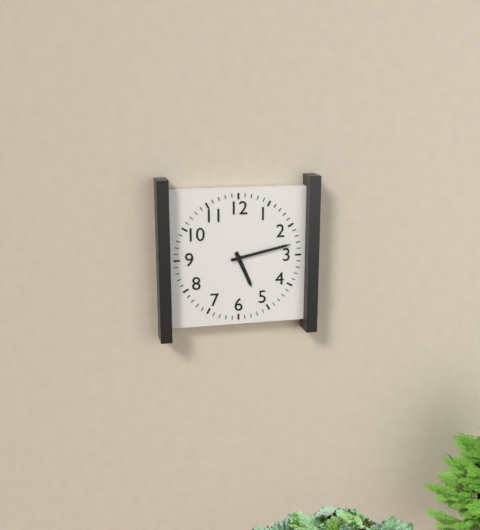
5:13
